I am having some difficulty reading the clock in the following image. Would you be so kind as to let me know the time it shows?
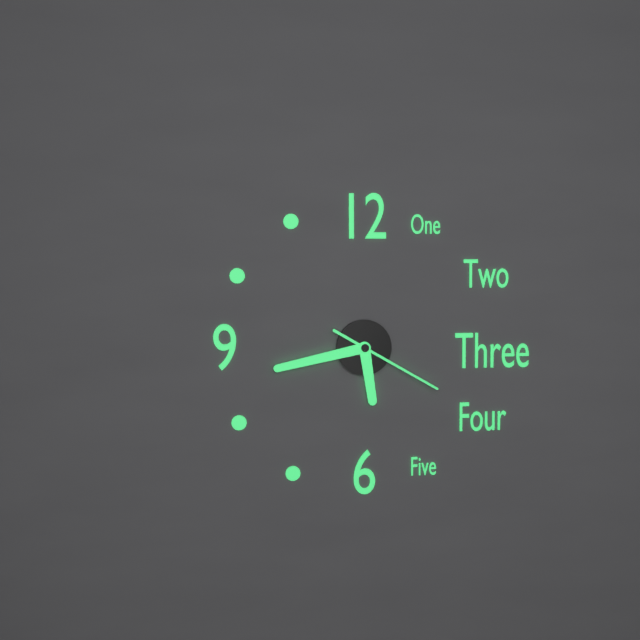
5:43:20
